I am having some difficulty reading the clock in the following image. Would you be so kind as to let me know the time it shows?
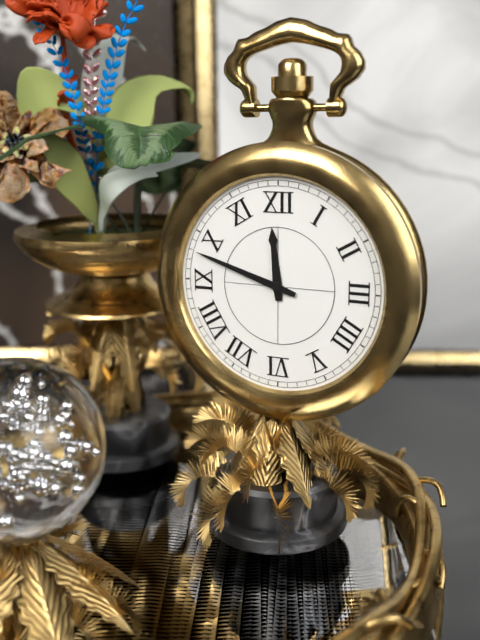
11:48
